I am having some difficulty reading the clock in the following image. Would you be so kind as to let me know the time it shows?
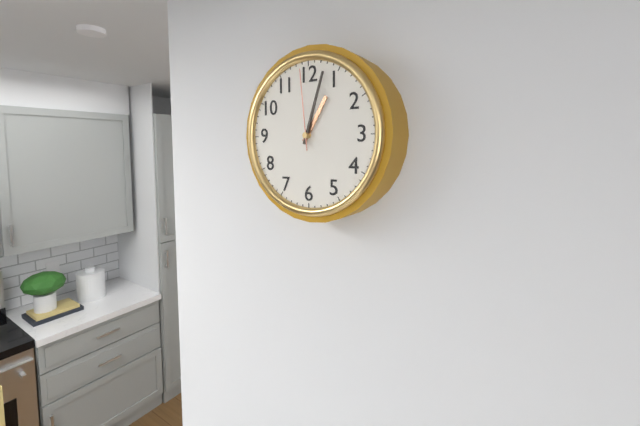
1:03:59
